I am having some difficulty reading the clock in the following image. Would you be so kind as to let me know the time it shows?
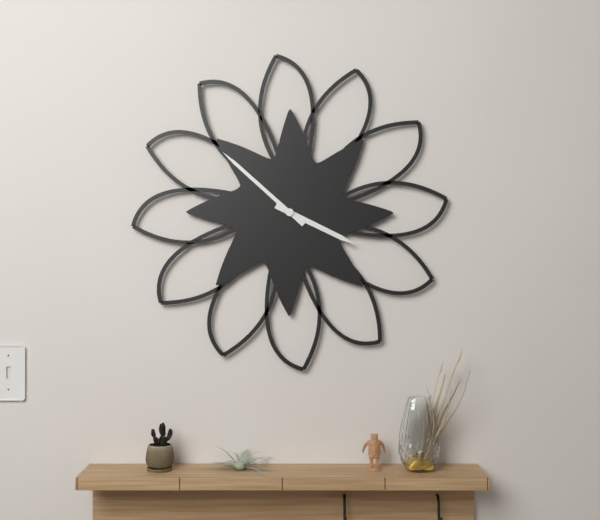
3:52
